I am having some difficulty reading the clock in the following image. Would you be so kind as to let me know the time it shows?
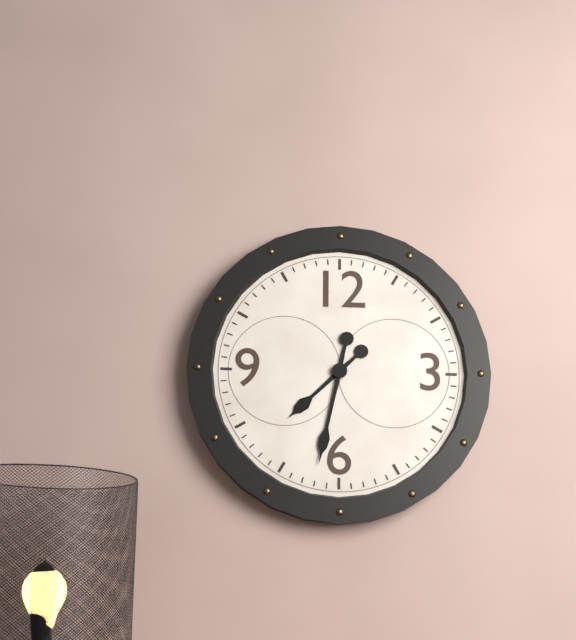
7:32
